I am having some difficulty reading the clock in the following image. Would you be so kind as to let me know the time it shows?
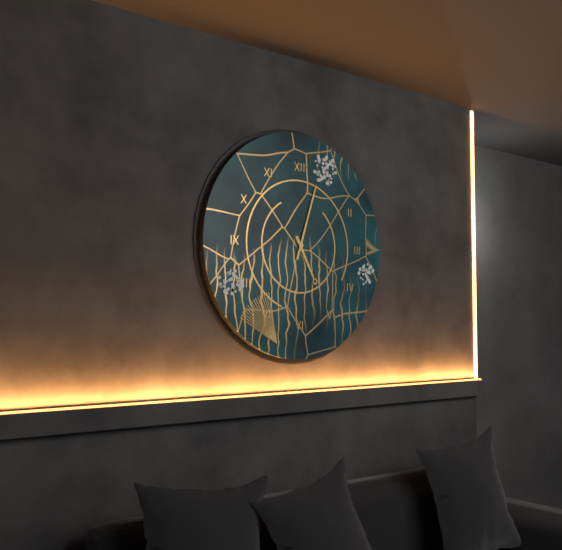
5:03
